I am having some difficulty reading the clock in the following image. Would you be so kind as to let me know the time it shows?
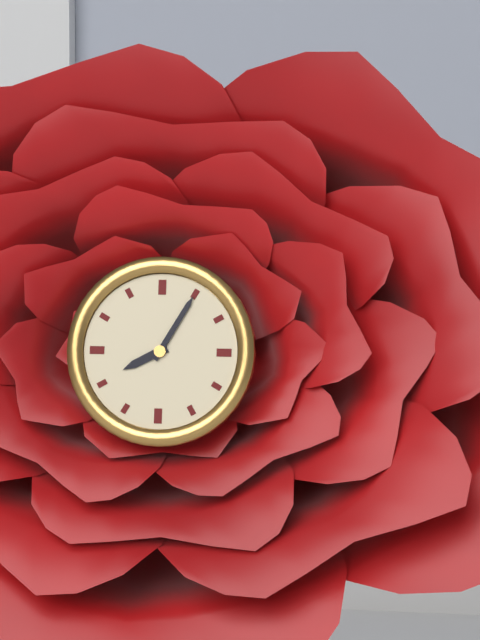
8:05
